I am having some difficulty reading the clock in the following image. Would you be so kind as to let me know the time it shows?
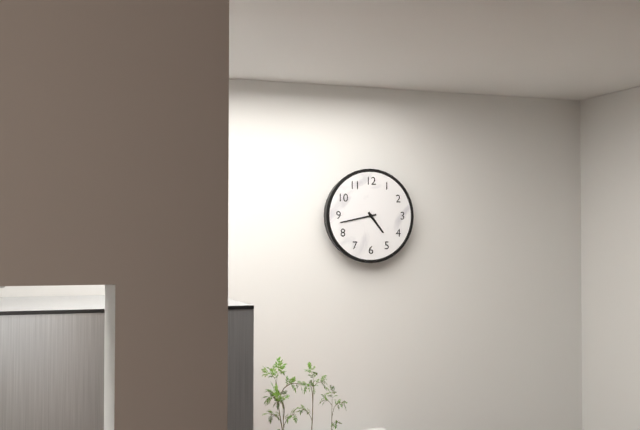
4:43
